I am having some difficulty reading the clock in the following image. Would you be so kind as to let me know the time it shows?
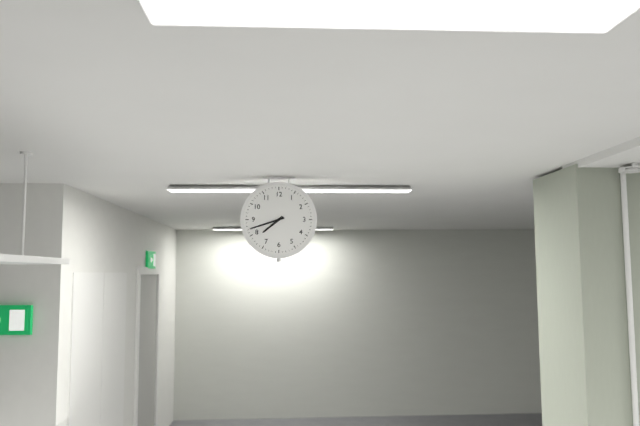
7:42
